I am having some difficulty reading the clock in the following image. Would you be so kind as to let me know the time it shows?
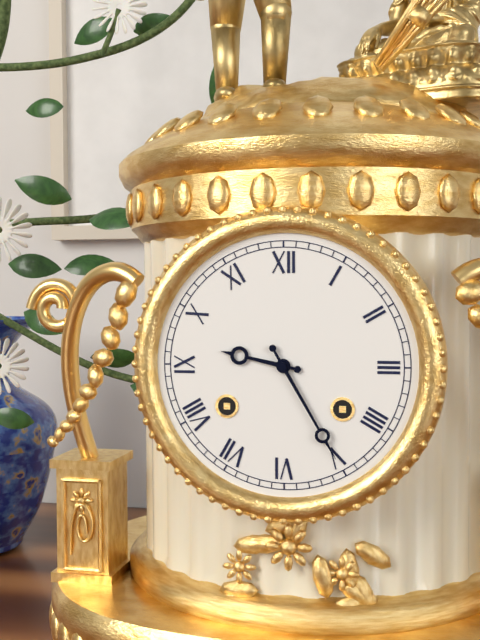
9:25
